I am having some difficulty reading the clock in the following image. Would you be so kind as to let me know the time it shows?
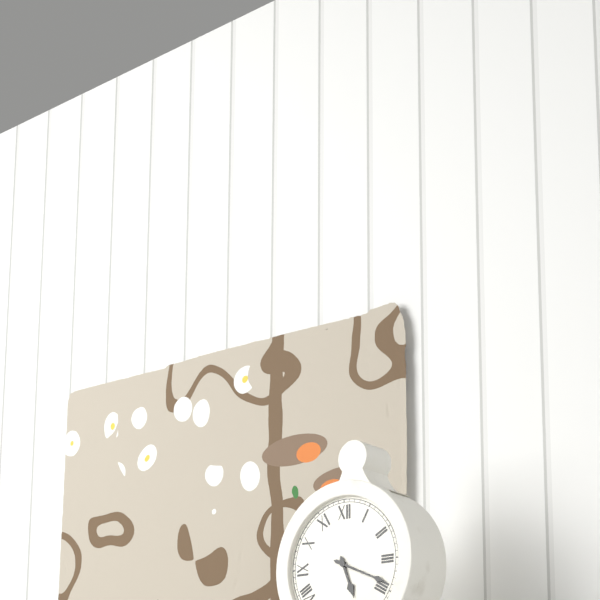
5:19
